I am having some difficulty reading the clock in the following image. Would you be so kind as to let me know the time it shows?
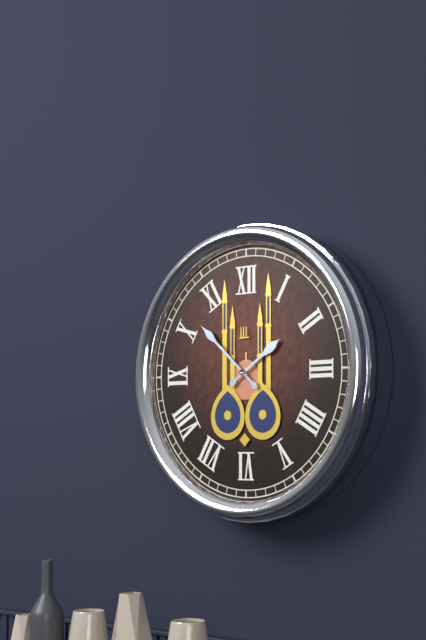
1:52
